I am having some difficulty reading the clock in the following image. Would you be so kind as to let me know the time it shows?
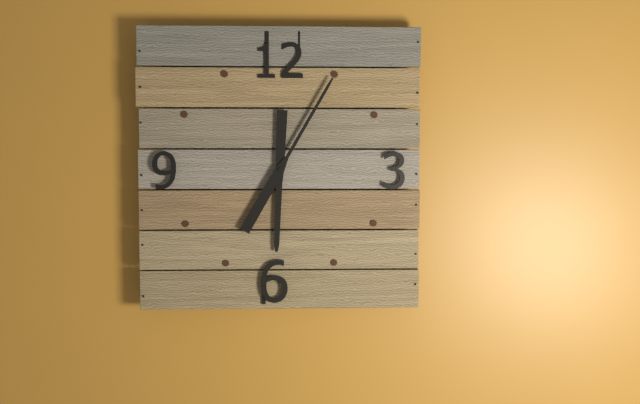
6:05
